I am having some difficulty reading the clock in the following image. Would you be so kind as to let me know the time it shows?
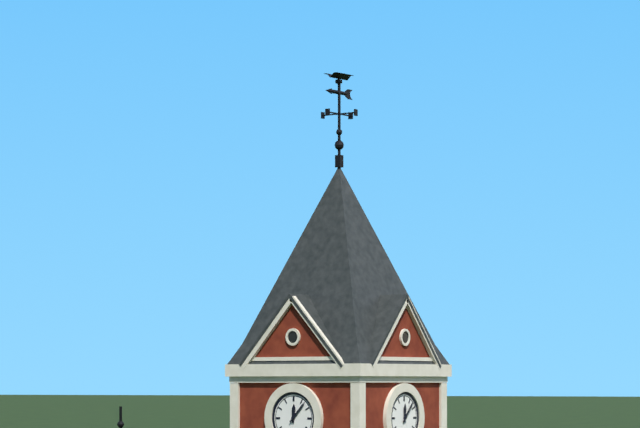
12:07
